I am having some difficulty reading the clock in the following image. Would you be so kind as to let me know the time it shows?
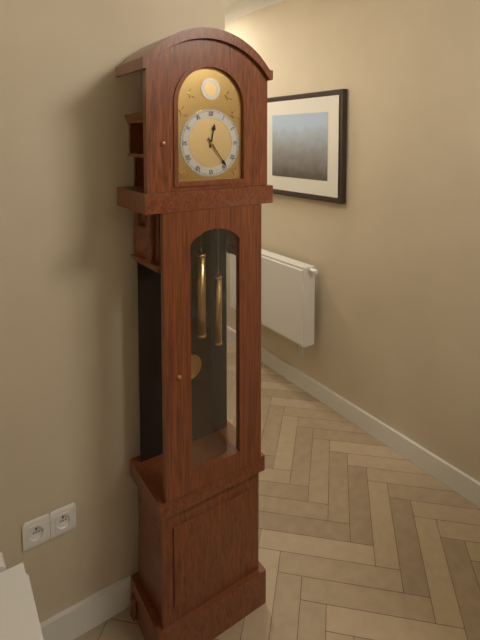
12:24
